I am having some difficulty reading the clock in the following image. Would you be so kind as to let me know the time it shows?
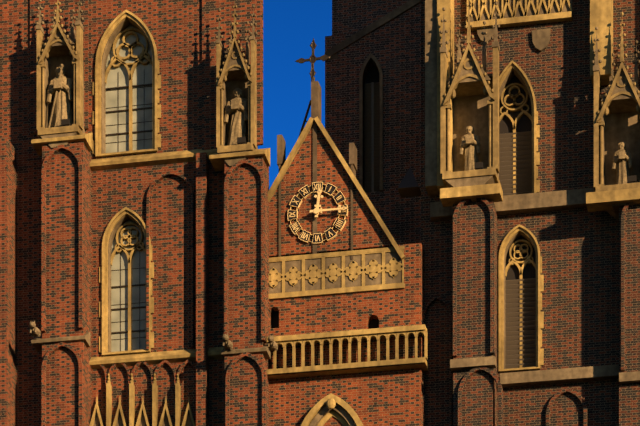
12:15
